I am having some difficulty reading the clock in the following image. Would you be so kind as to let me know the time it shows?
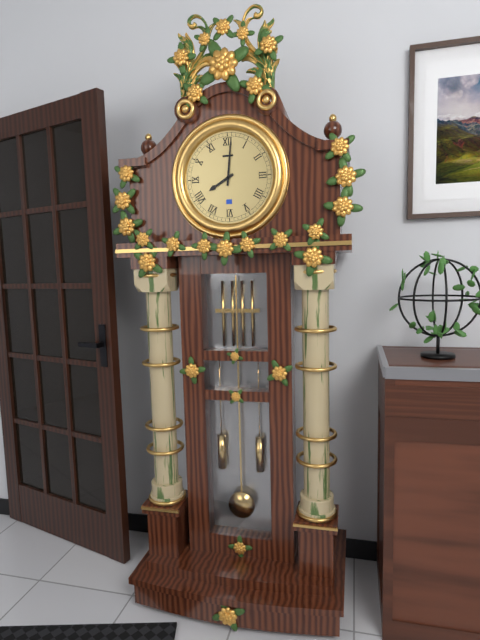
8:01
